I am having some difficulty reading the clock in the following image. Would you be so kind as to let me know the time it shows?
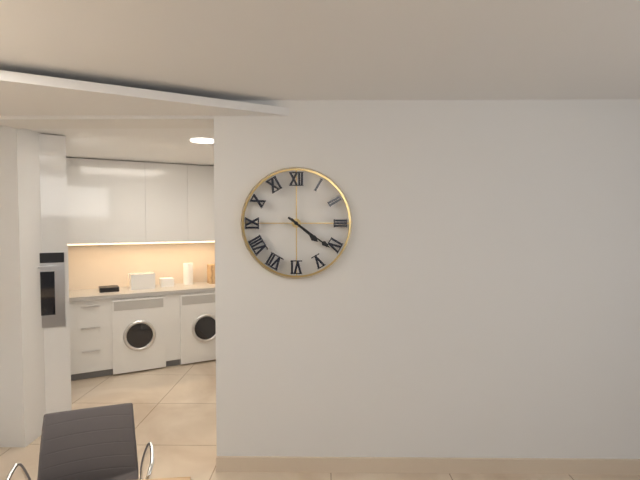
4:21
